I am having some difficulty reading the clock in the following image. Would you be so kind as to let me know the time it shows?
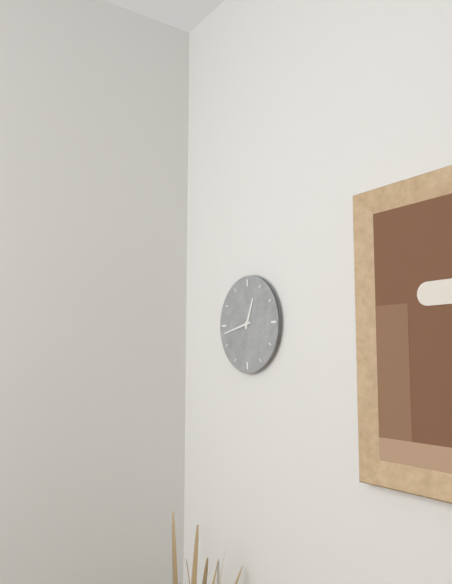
12:43
